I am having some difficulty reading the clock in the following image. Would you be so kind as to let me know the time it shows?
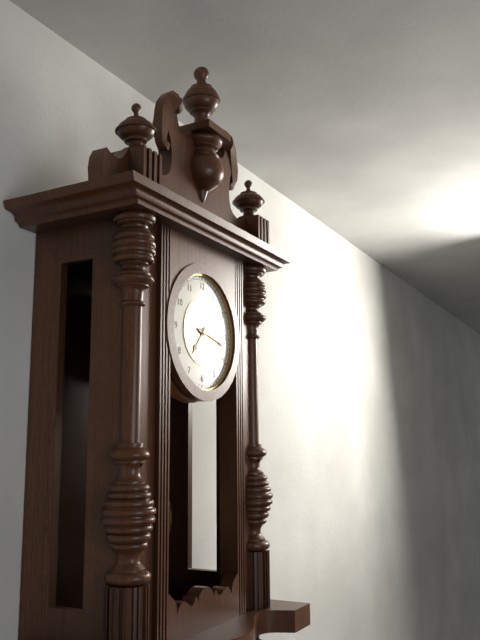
7:17
